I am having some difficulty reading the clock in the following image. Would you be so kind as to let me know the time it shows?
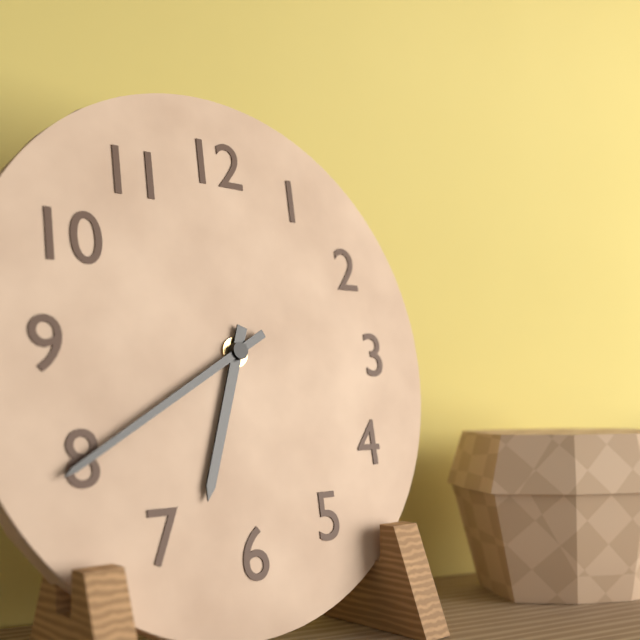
6:40
